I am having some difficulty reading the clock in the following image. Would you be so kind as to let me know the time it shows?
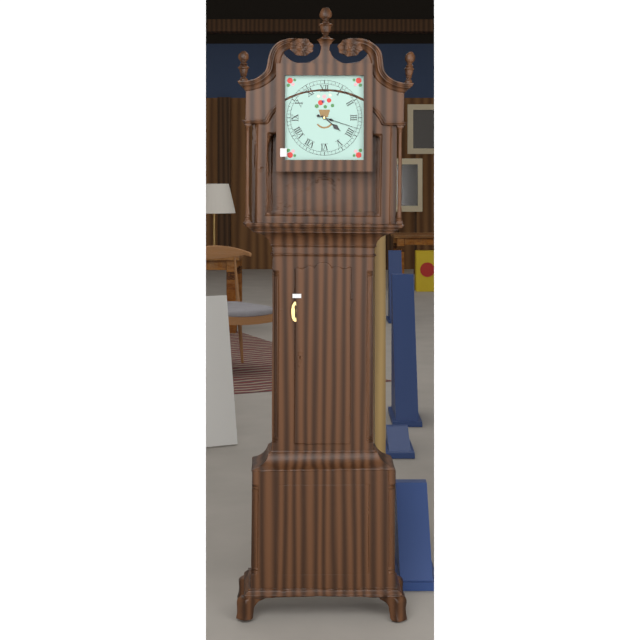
4:18
